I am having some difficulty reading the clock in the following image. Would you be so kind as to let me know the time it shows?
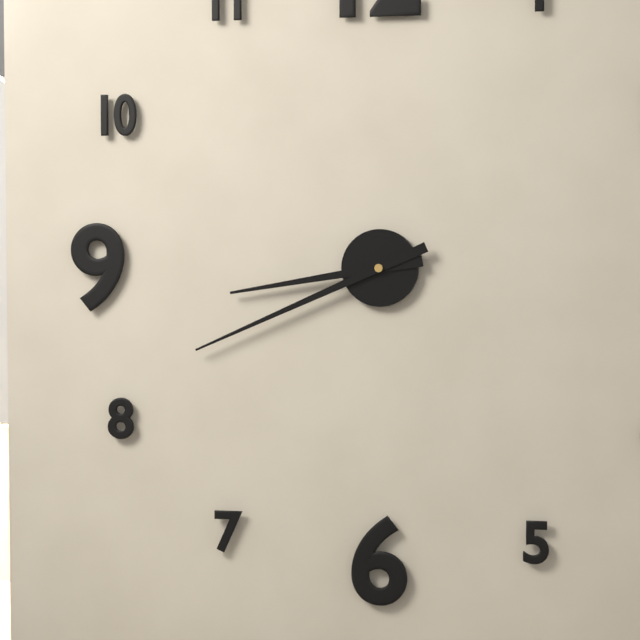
8:41
